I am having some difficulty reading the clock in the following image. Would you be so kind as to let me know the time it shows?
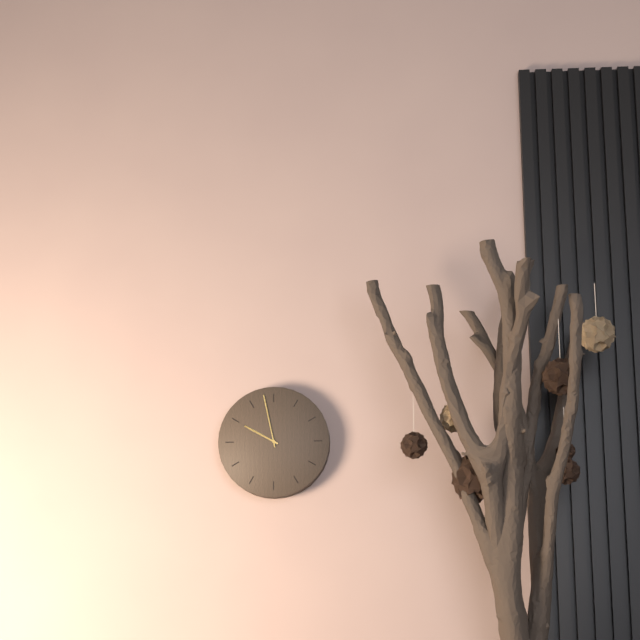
9:58
